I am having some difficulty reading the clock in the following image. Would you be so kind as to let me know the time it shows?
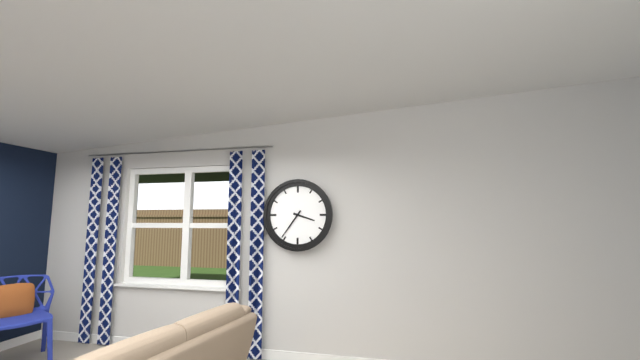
3:36
